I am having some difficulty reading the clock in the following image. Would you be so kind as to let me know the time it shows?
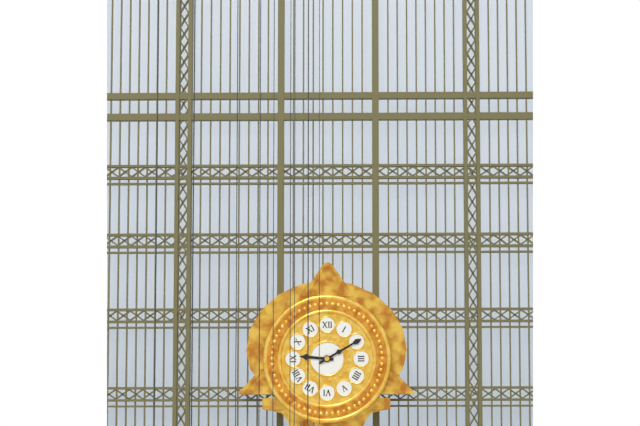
9:10
